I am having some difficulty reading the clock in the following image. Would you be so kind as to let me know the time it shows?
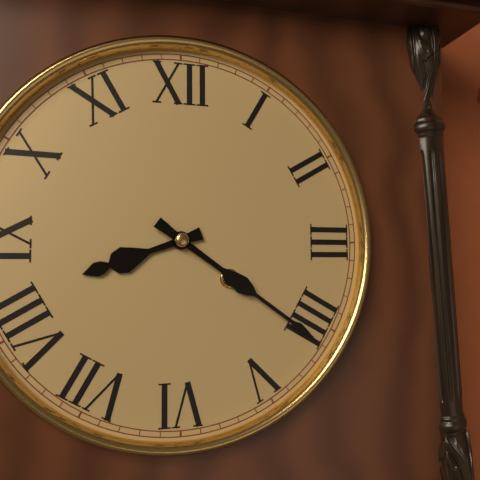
8:21
